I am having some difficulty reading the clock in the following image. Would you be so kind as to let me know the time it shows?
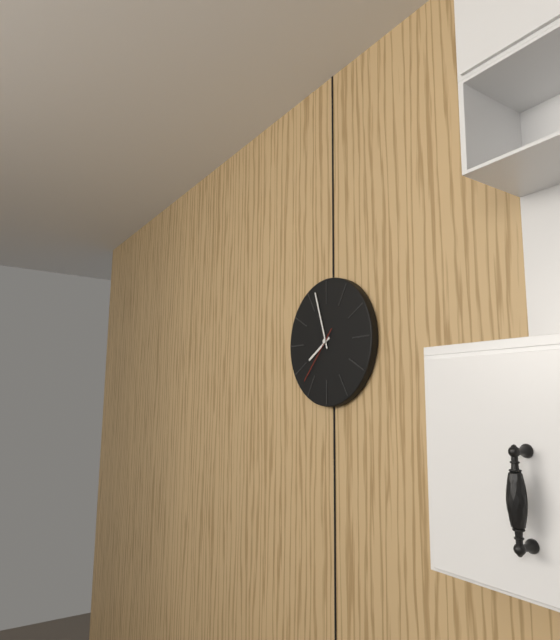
7:57:37
